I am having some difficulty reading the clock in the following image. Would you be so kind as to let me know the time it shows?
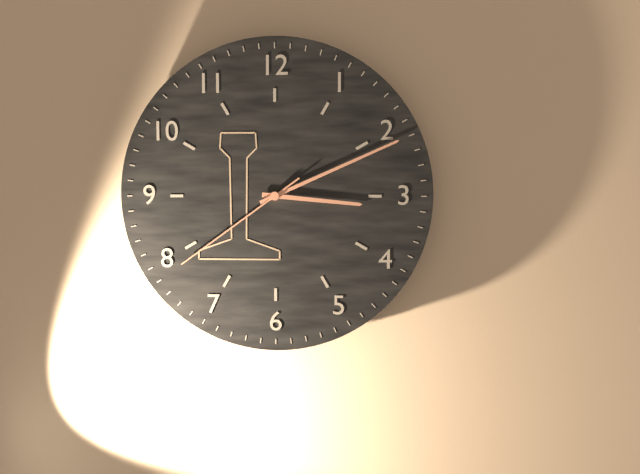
3:11:39
